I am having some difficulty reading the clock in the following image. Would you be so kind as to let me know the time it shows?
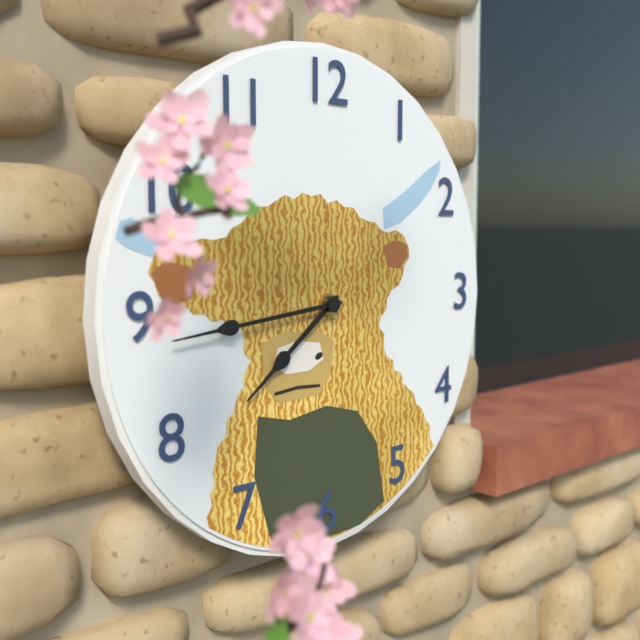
7:44
